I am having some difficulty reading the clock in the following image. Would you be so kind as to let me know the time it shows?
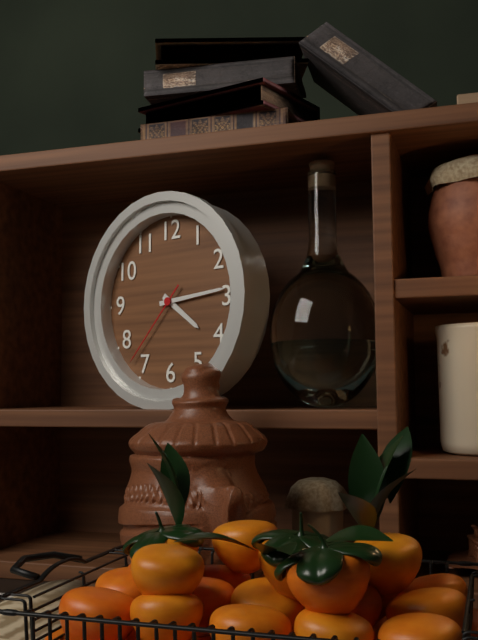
4:14:37
